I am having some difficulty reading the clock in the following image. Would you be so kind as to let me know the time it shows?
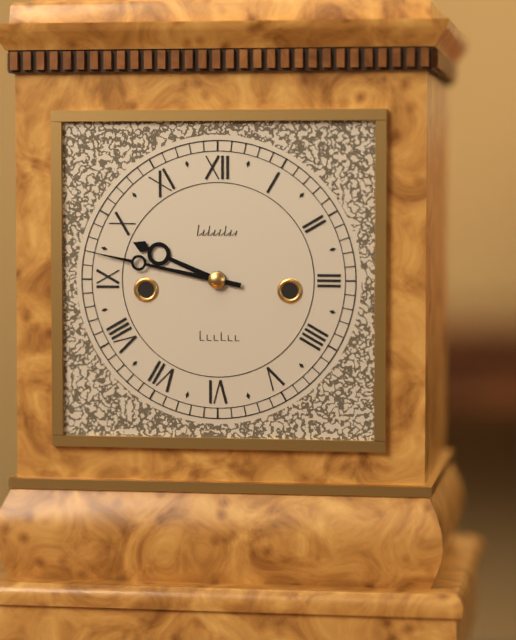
9:47
